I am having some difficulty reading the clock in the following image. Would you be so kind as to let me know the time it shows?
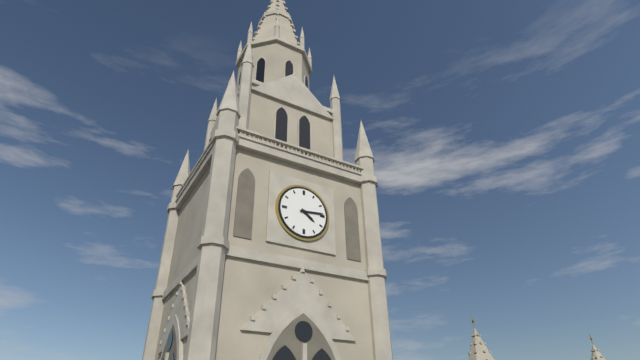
4:14
